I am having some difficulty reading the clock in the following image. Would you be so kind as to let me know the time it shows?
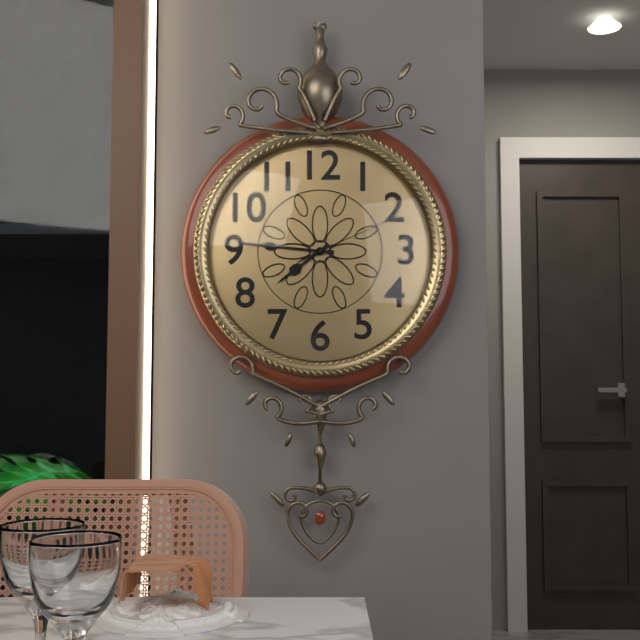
7:46:11
